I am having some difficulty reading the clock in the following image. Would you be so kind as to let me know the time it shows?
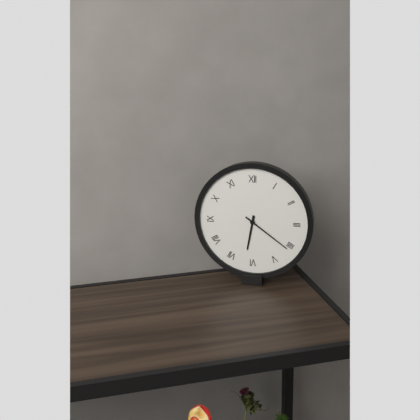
6:21
